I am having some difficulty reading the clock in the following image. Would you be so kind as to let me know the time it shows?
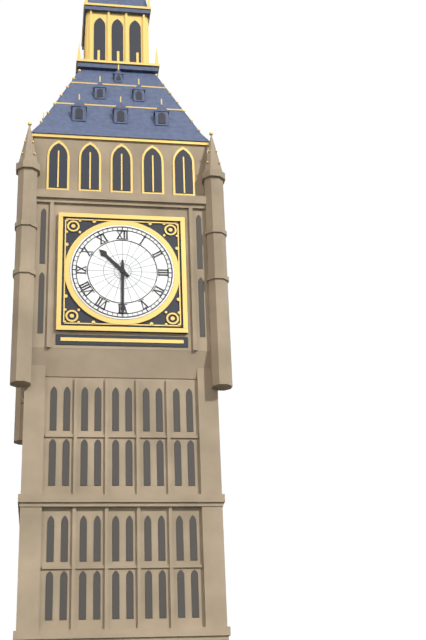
10:30
